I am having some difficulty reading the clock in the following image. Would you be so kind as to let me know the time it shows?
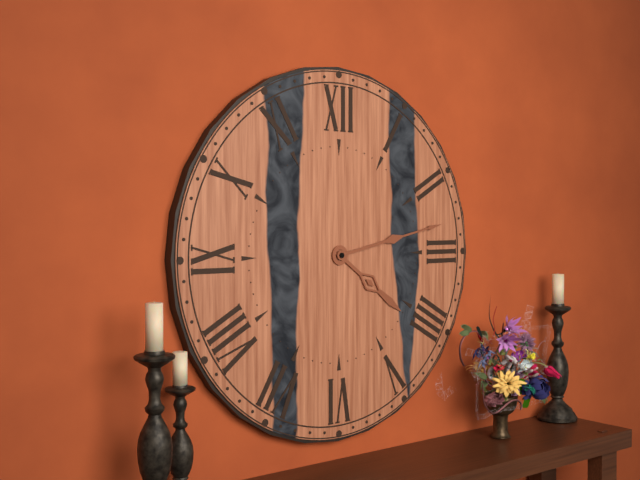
4:13
